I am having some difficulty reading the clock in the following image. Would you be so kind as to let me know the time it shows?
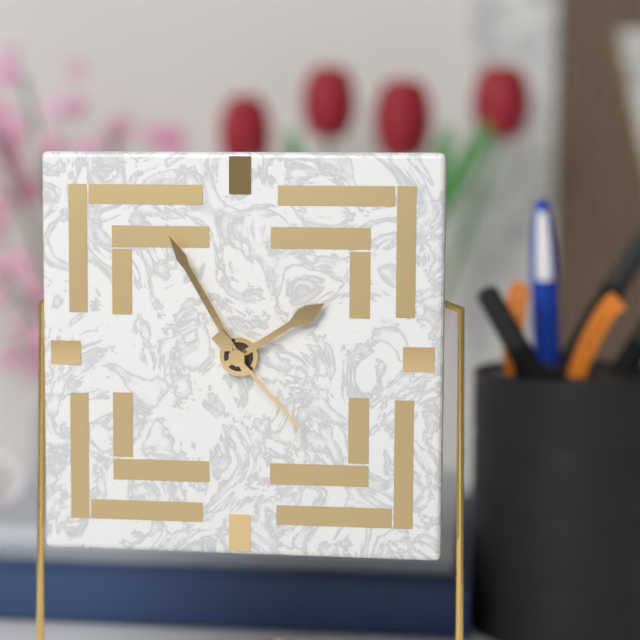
1:55:23
